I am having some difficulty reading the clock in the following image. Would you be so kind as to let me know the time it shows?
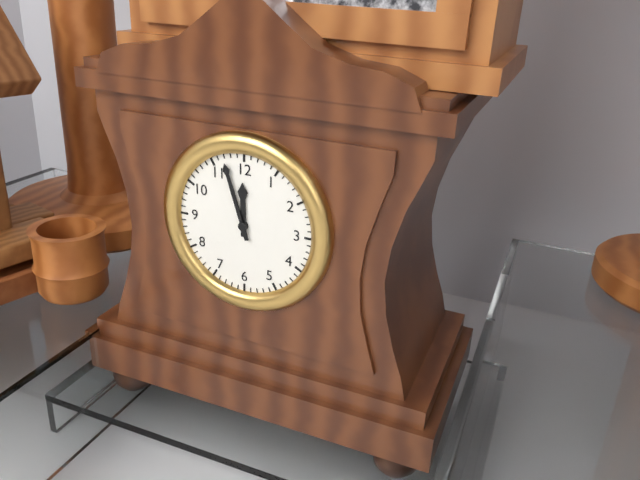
11:57
